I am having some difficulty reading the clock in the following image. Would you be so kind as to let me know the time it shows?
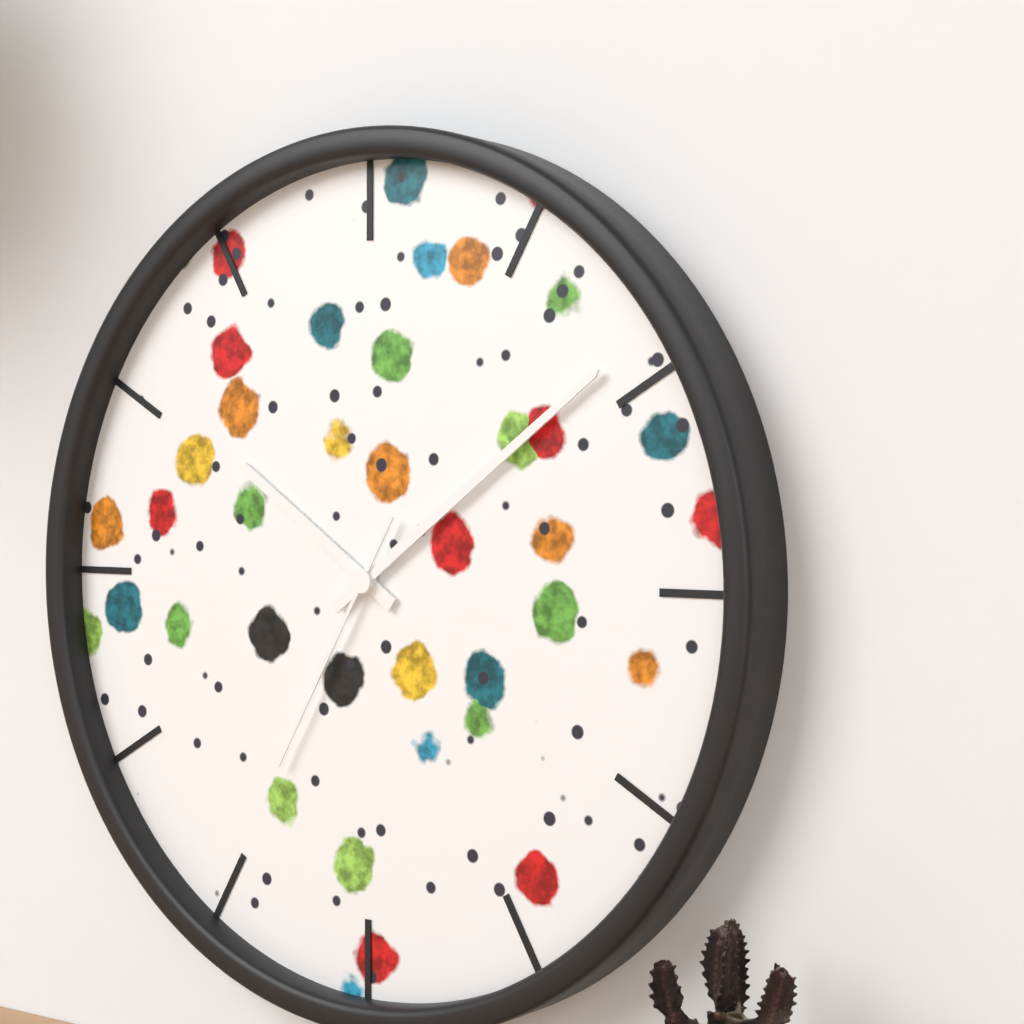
10:09:35
